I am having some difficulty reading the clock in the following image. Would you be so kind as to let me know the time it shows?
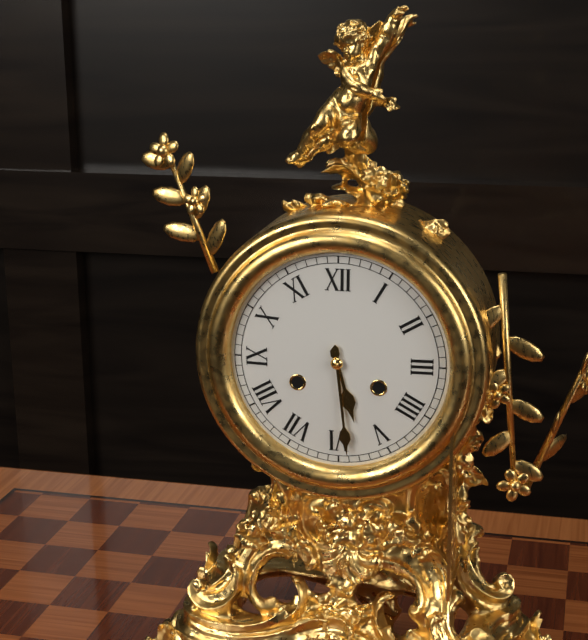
5:29
